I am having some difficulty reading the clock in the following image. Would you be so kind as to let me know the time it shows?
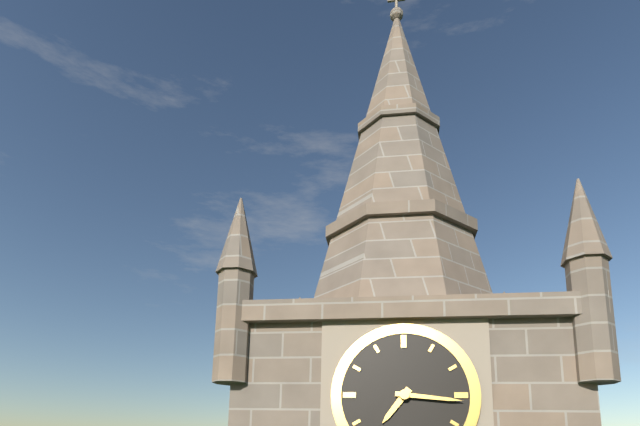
7:16
